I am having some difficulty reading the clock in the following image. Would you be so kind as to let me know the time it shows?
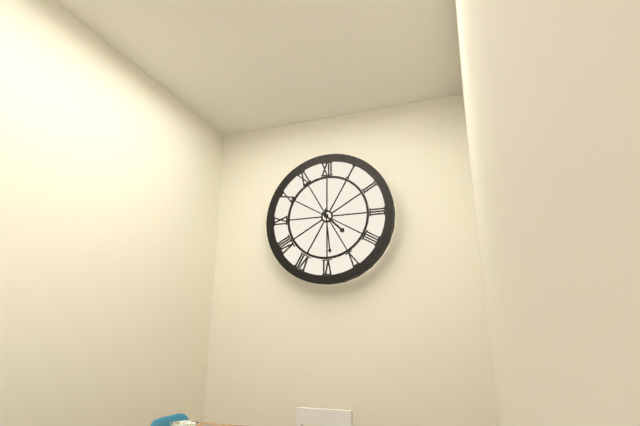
4:29
